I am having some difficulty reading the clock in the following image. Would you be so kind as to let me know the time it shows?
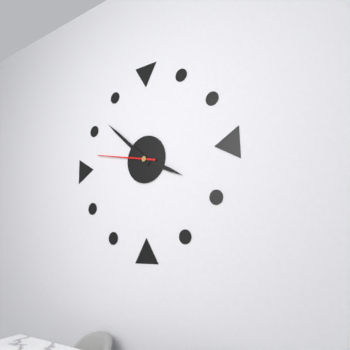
3:52:47
